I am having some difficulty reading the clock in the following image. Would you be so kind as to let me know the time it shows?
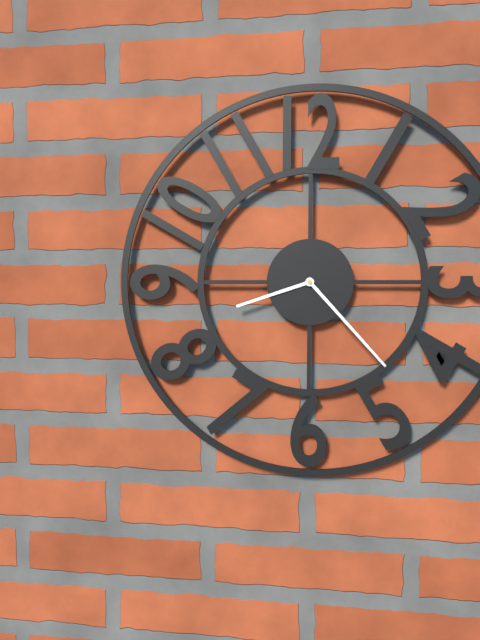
8:23
